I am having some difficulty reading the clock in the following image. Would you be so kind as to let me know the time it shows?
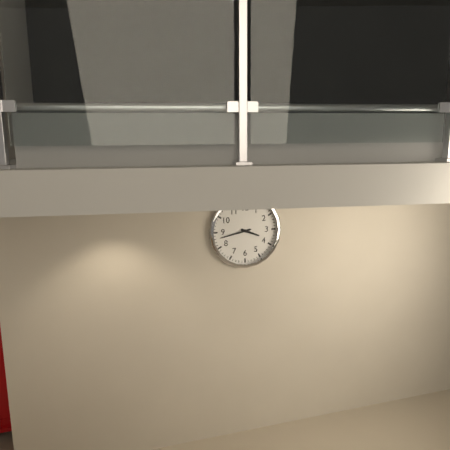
3:43
